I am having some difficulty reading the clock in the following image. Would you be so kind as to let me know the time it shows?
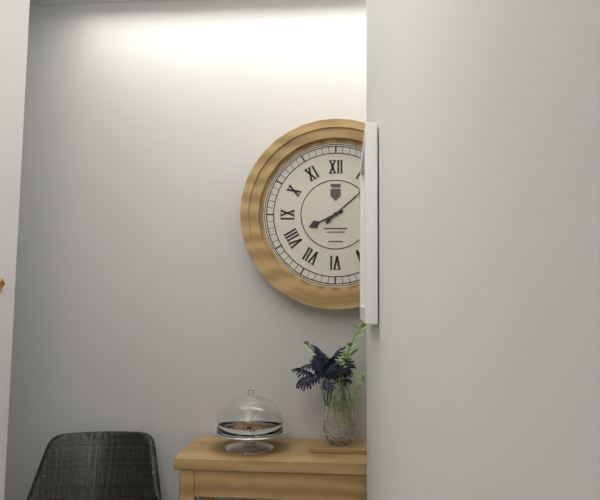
8:08
